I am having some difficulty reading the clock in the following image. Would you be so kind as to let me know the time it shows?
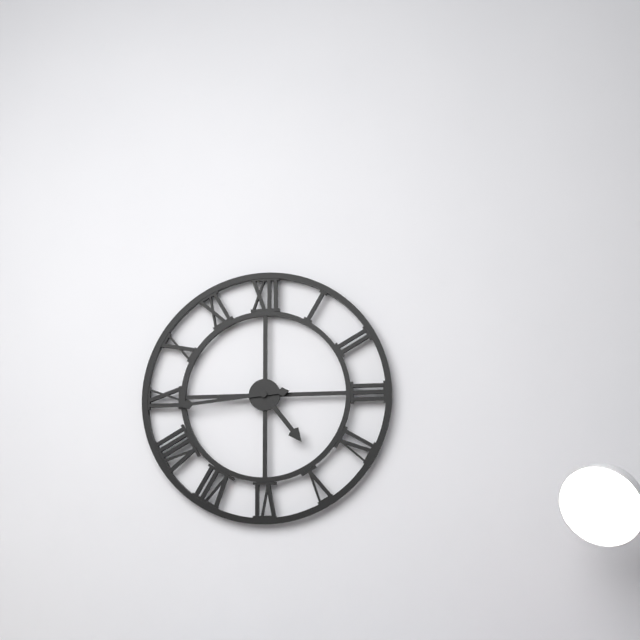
4:44
